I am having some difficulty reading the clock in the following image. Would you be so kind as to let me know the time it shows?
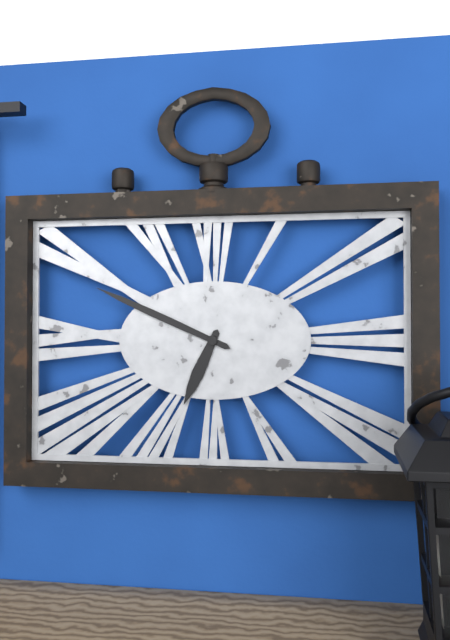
6:49
